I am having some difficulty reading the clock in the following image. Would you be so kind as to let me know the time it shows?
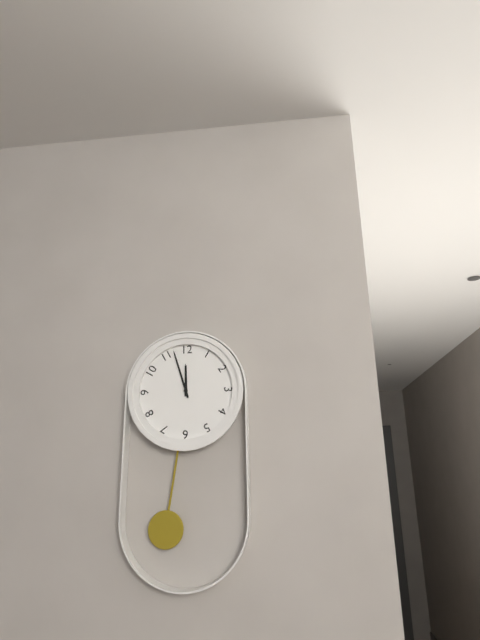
11:57
